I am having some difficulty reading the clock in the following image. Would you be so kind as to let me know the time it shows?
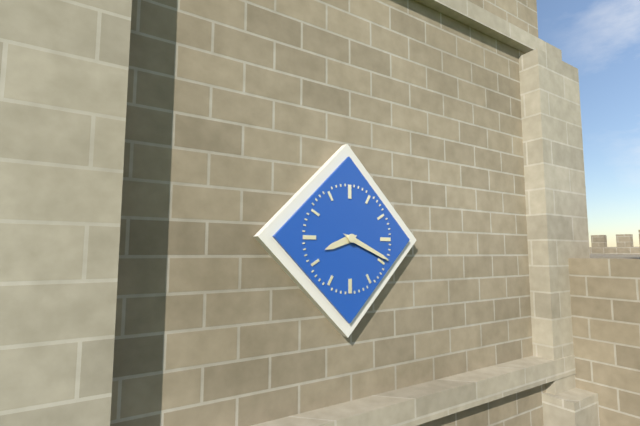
8:19
